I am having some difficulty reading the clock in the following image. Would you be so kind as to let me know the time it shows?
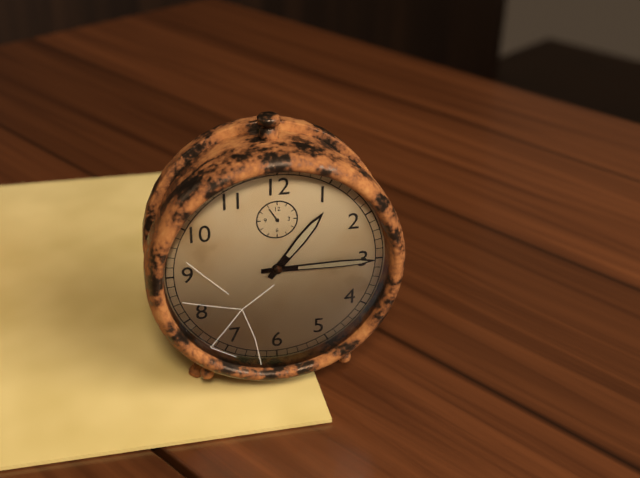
1:15
